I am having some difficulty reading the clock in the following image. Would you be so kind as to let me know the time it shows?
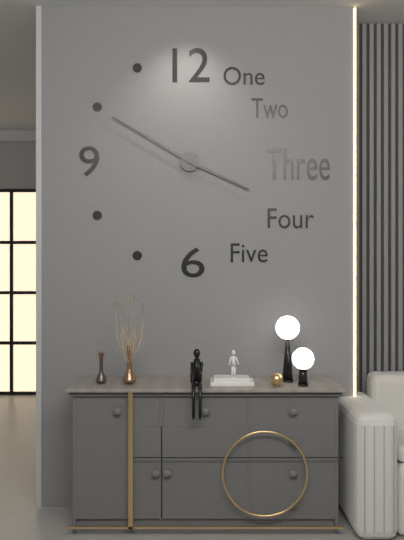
3:50
